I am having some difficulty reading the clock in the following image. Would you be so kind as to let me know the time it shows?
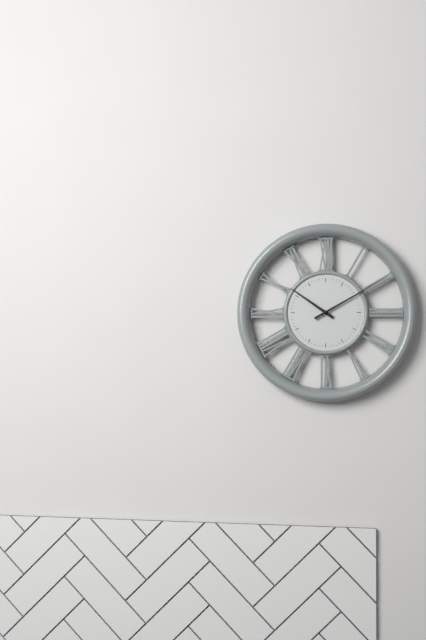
10:10
